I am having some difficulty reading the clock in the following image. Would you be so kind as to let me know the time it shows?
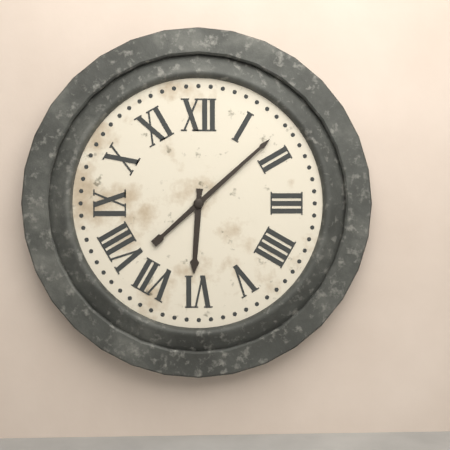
6:08
